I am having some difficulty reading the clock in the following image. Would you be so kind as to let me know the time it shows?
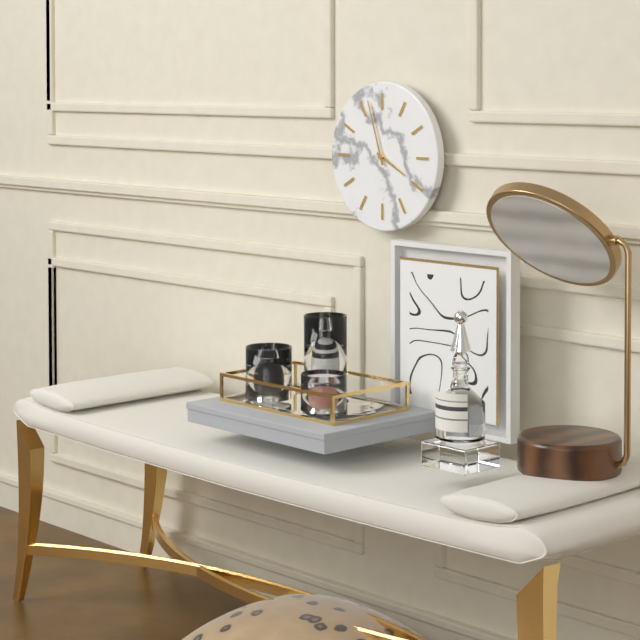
3:57
